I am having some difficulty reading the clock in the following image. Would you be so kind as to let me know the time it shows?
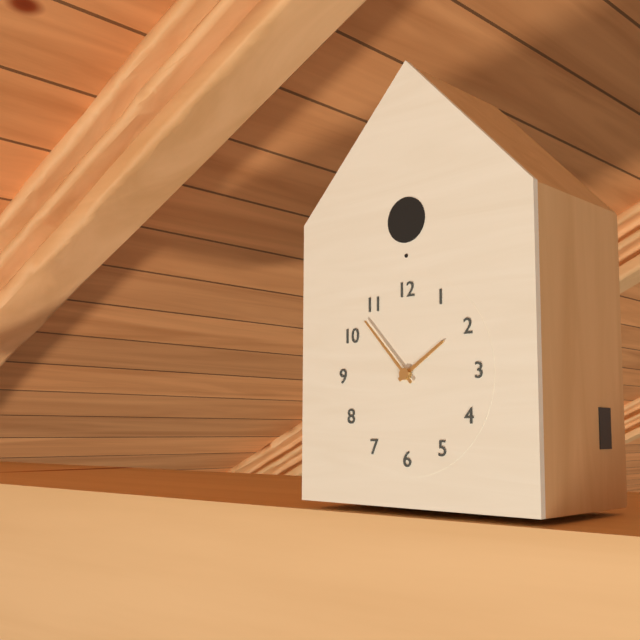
1:53
